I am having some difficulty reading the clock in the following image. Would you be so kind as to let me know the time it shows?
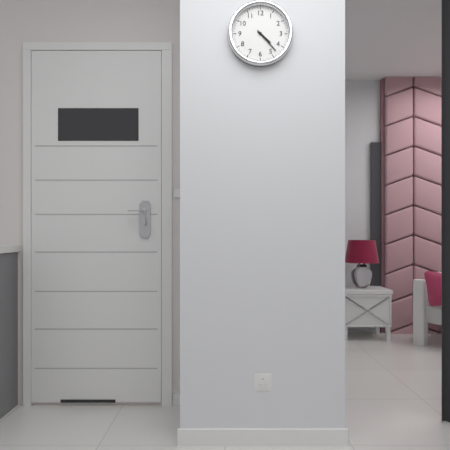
4:23
